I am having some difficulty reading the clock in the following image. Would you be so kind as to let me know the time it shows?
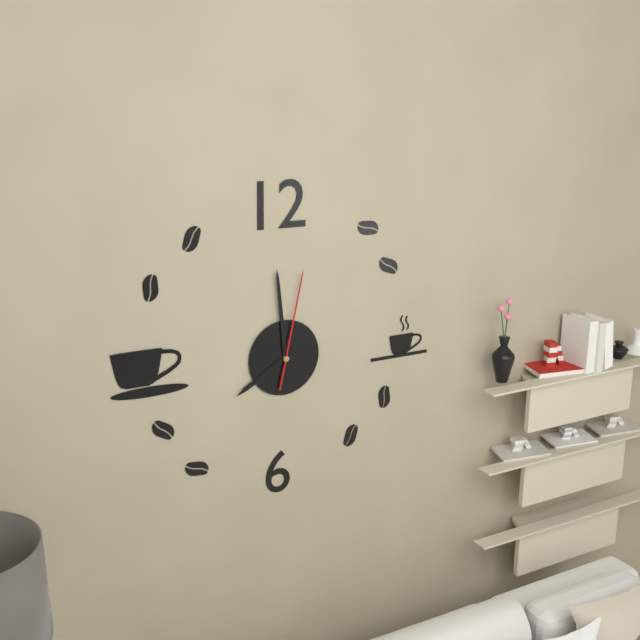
7:59:02
